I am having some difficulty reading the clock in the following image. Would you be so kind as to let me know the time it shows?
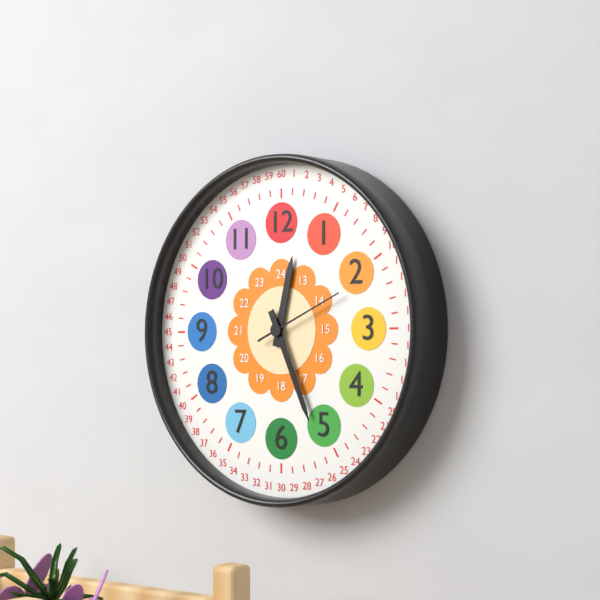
12:26:11
